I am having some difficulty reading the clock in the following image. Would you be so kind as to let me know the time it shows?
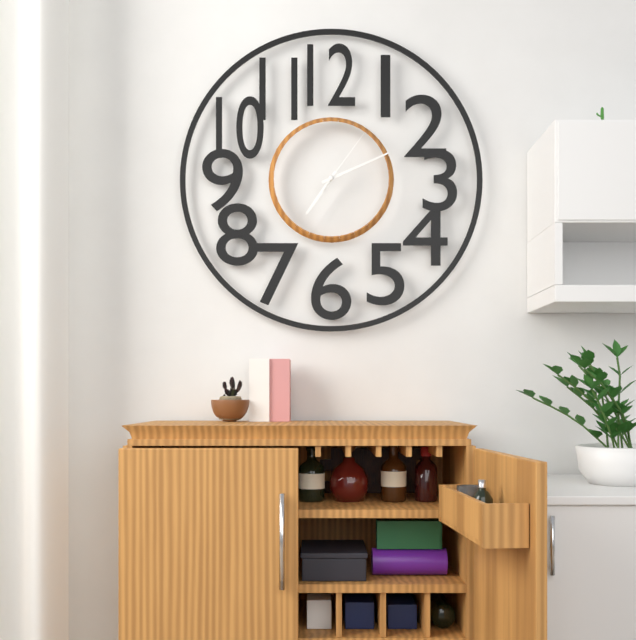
7:11:06
